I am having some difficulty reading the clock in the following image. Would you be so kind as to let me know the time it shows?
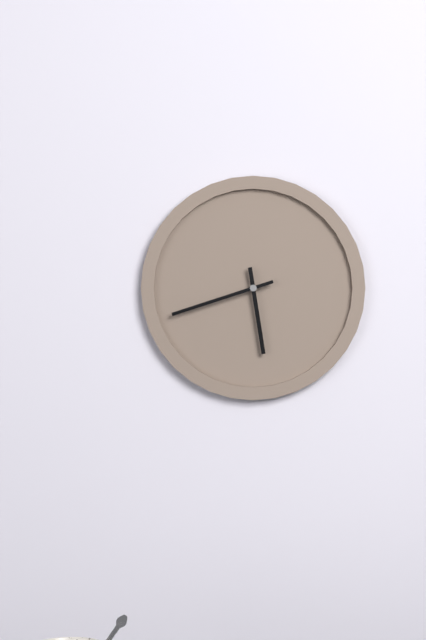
5:42
